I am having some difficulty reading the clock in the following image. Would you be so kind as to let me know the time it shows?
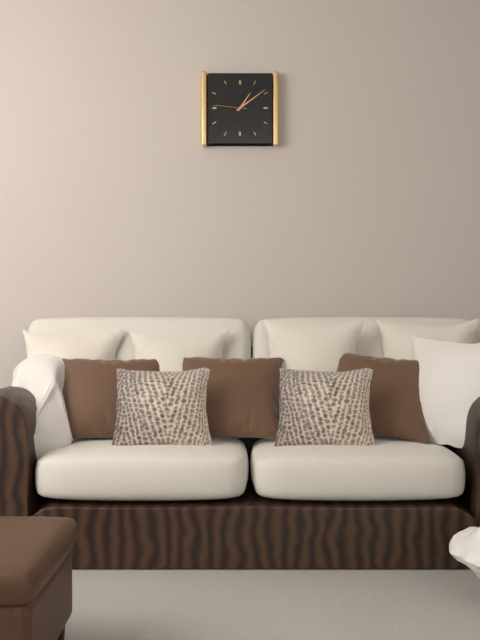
1:09
